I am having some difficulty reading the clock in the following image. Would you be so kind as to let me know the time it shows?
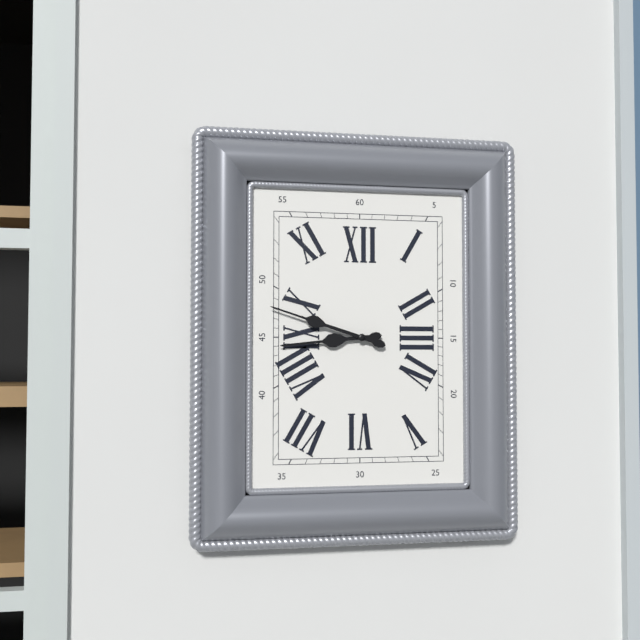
8:48
